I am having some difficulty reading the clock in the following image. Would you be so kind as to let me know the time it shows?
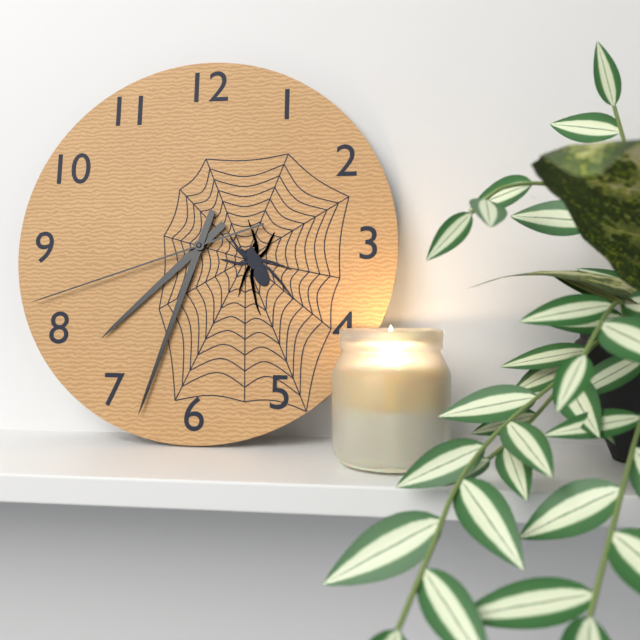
7:33:42
